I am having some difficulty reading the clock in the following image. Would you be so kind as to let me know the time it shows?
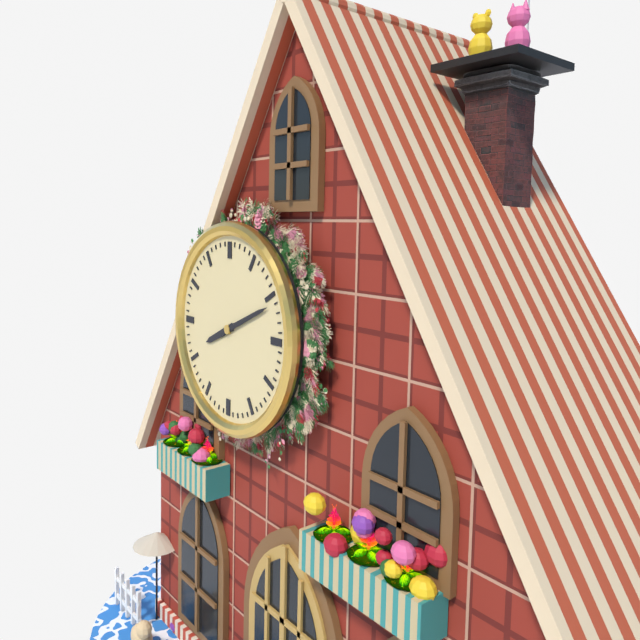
8:11
